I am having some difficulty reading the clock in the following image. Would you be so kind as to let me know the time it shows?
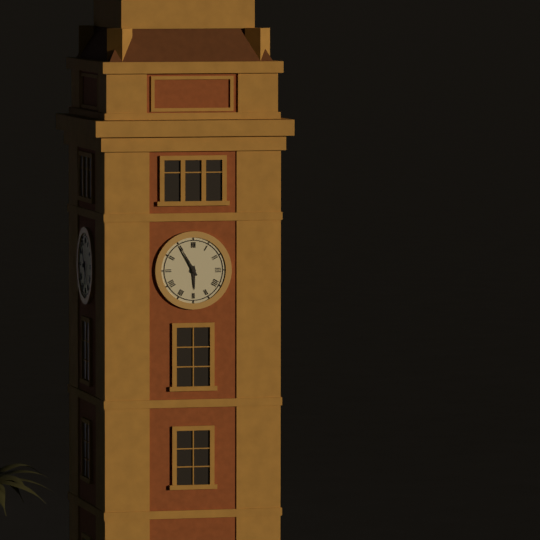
5:55
